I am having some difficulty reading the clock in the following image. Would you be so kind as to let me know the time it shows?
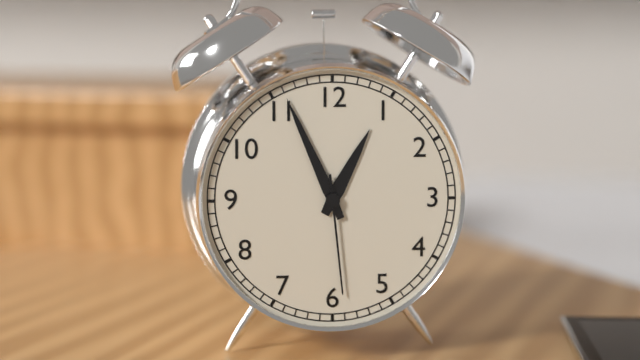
12:56:29
